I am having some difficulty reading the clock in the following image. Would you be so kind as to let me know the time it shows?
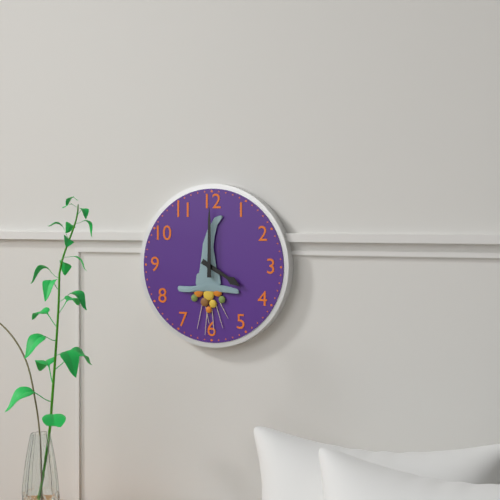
4:00
